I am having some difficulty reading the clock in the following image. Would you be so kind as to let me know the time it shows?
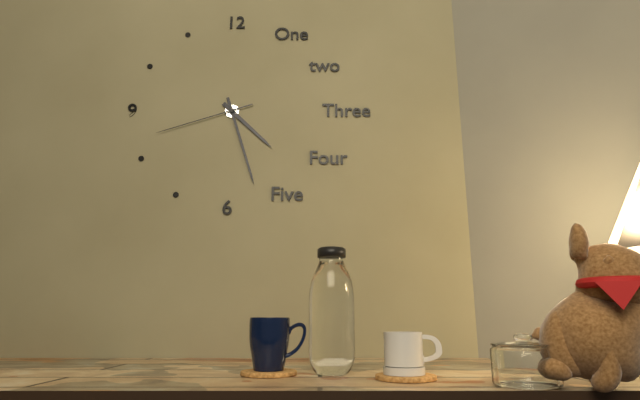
4:27:42
